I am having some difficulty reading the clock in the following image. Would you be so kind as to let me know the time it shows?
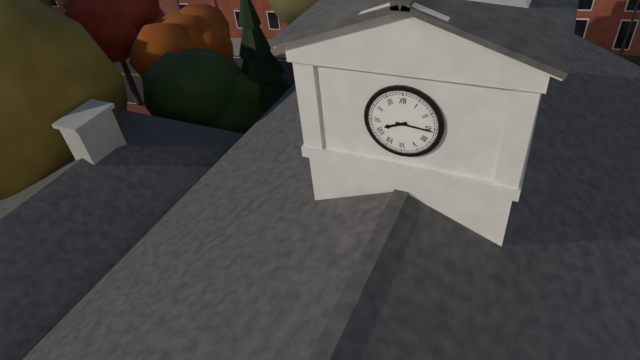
8:16
